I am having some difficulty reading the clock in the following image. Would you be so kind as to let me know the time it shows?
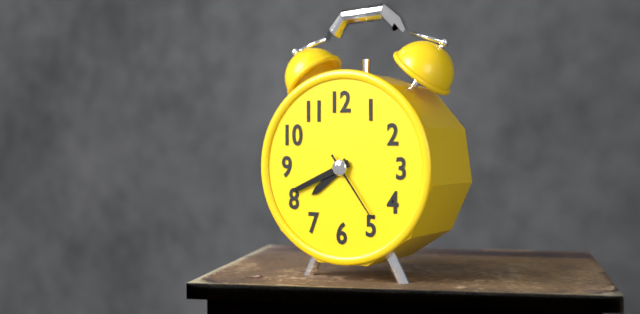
7:41:24
